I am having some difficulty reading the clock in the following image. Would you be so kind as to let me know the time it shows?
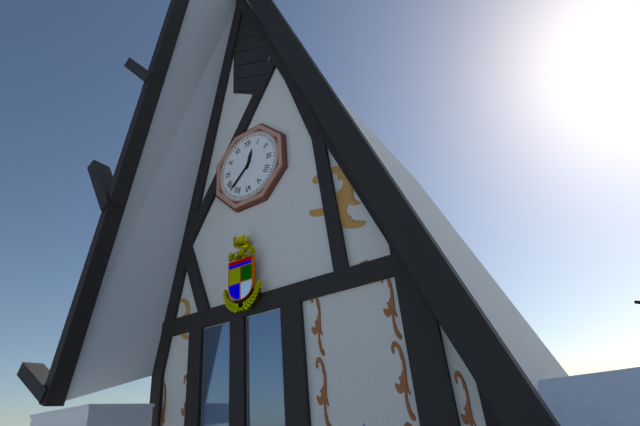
12:38
